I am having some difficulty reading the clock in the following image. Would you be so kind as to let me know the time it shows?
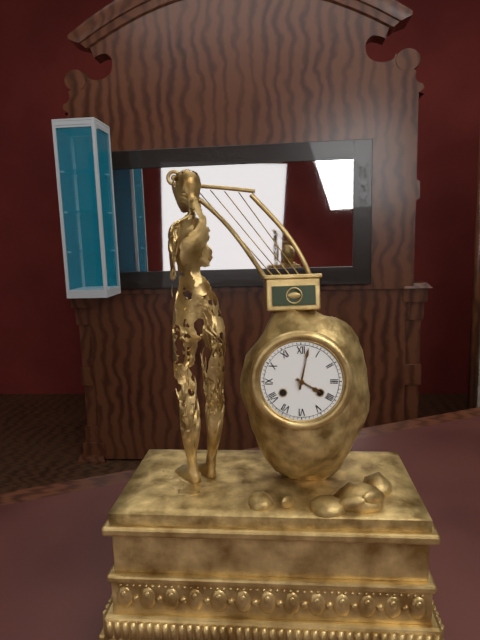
4:02
